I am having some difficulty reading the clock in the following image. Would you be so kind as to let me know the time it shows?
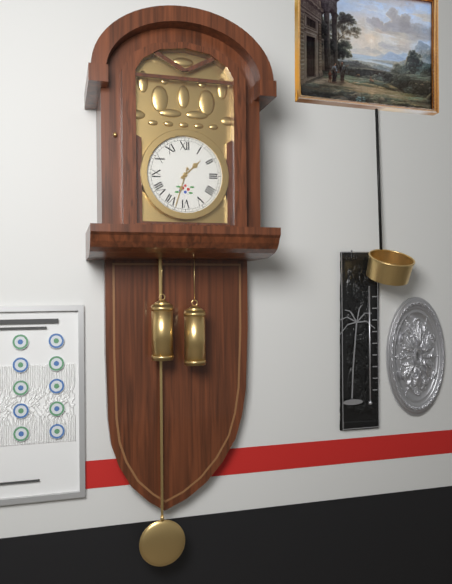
1:33
